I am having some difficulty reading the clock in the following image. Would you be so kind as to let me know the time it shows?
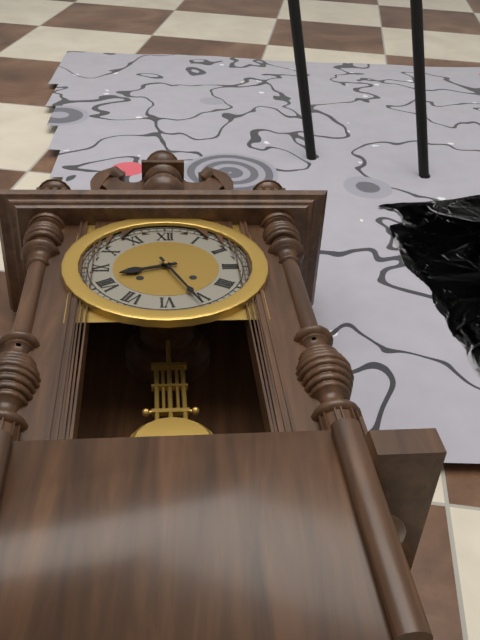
8:26
